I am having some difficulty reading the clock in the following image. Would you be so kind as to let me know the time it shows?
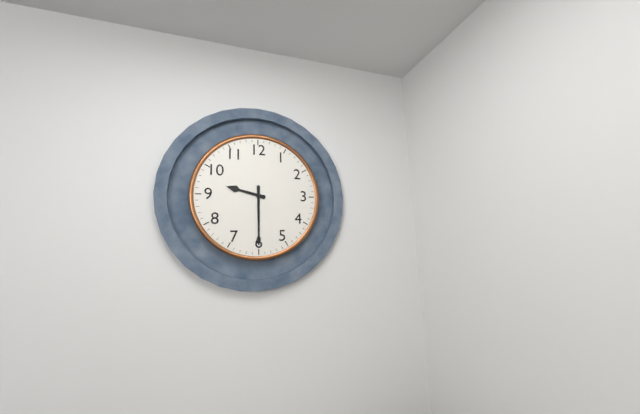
9:30
